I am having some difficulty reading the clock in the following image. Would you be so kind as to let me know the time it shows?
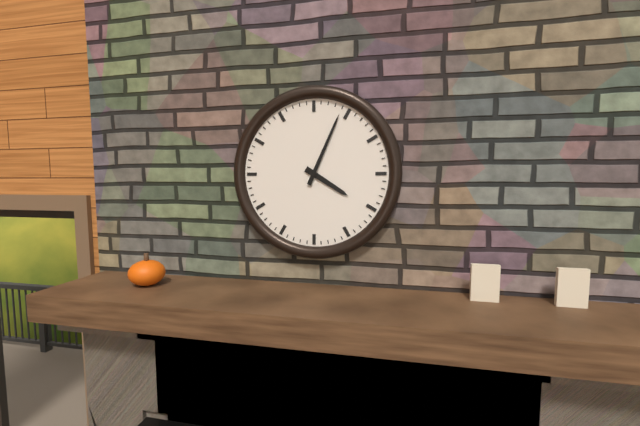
4:04
